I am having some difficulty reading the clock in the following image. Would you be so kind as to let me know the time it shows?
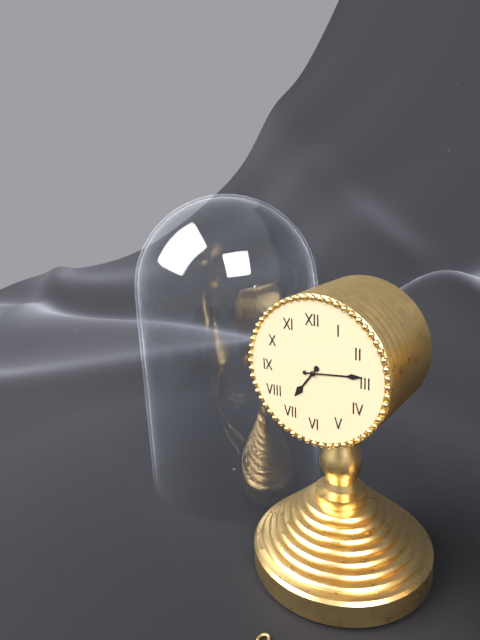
7:14
